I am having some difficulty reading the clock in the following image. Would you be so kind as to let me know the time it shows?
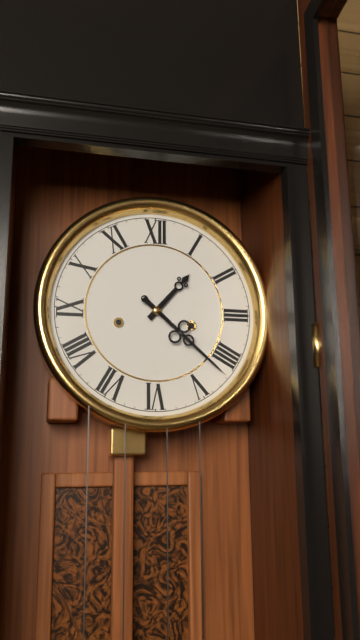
1:22
